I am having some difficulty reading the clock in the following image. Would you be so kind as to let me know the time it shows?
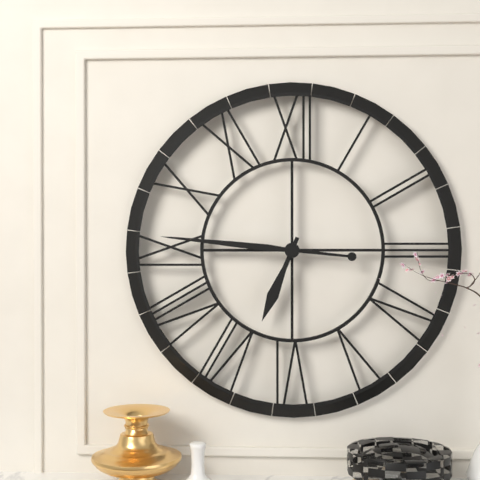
6:46
